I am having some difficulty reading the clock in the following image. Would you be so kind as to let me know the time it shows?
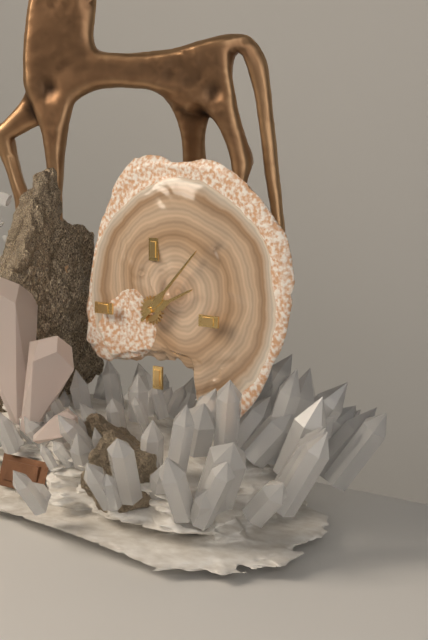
2:07
